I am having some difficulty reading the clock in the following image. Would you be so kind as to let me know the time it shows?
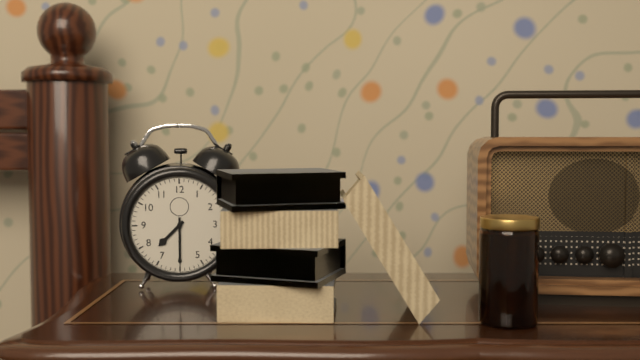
7:30
